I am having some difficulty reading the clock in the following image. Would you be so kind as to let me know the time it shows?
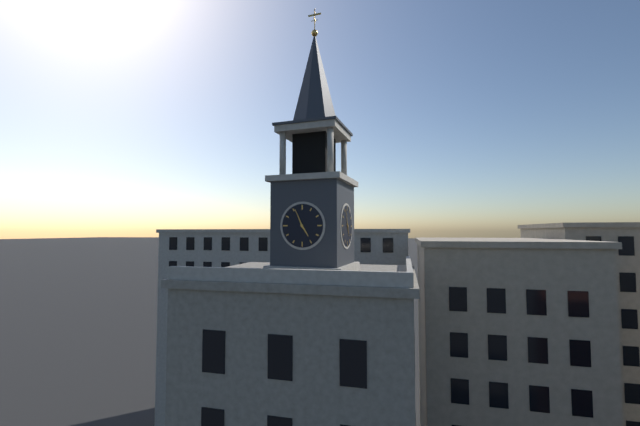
4:56
